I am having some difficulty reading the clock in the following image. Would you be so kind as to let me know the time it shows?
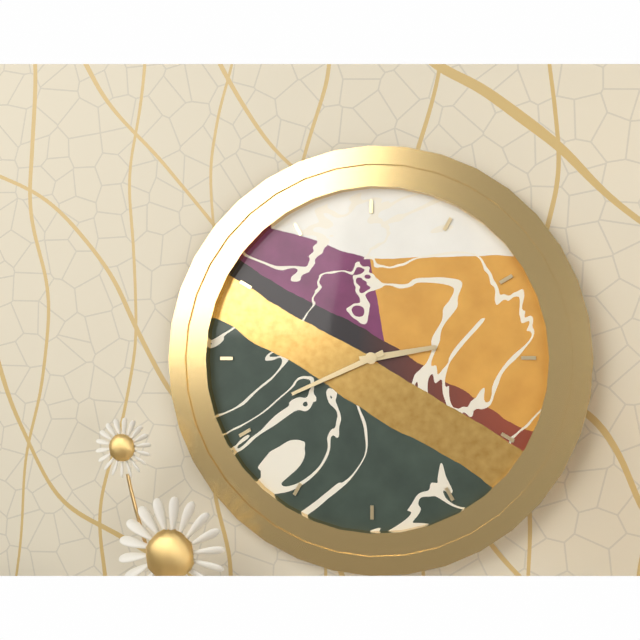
2:41
